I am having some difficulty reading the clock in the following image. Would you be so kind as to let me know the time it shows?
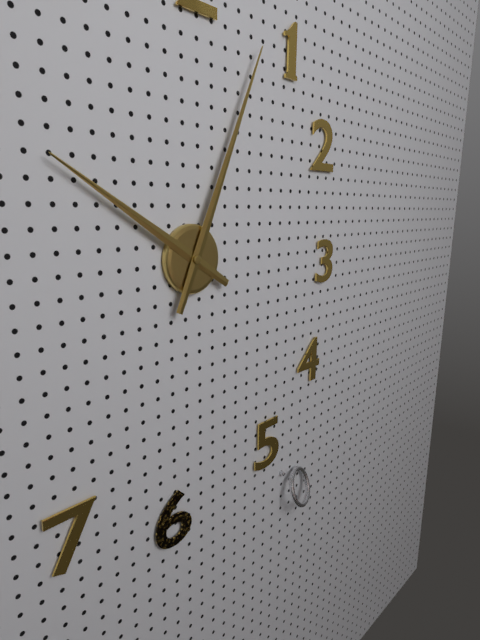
10:04
